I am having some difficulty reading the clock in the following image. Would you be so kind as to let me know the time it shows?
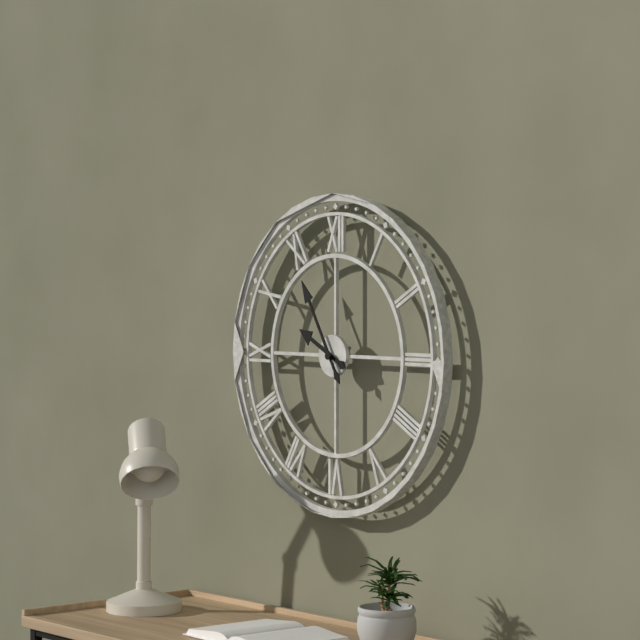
9:55
